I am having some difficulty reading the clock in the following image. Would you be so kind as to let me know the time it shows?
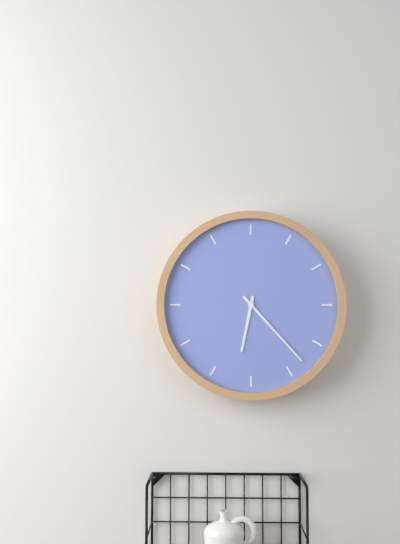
6:23
